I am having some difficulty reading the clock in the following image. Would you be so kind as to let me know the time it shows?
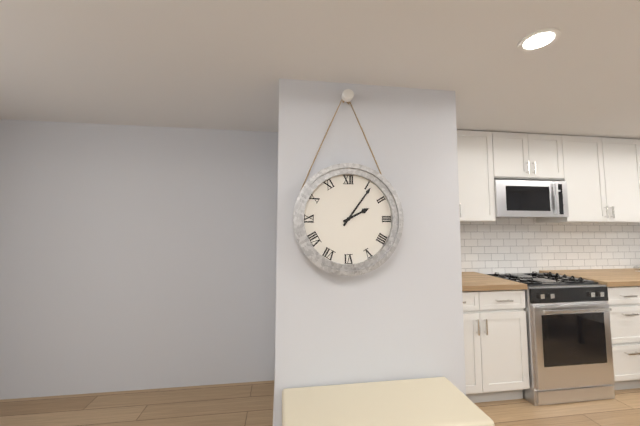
2:06
